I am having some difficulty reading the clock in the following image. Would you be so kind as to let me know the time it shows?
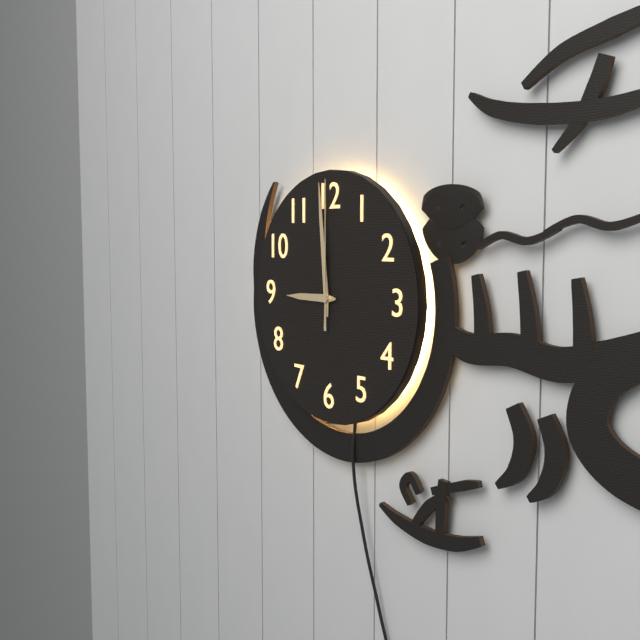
8:59:00
